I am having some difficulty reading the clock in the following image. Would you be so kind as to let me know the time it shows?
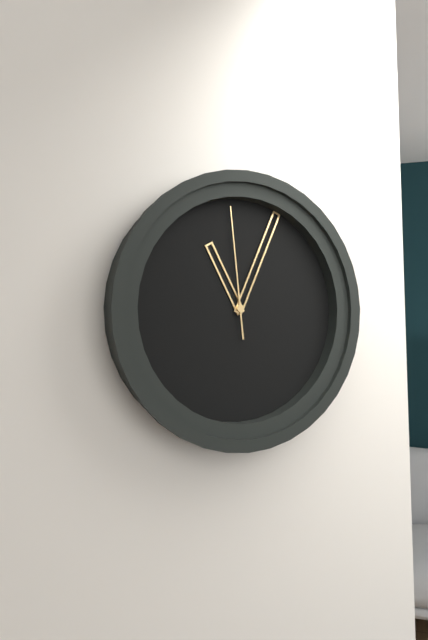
11:04:59
